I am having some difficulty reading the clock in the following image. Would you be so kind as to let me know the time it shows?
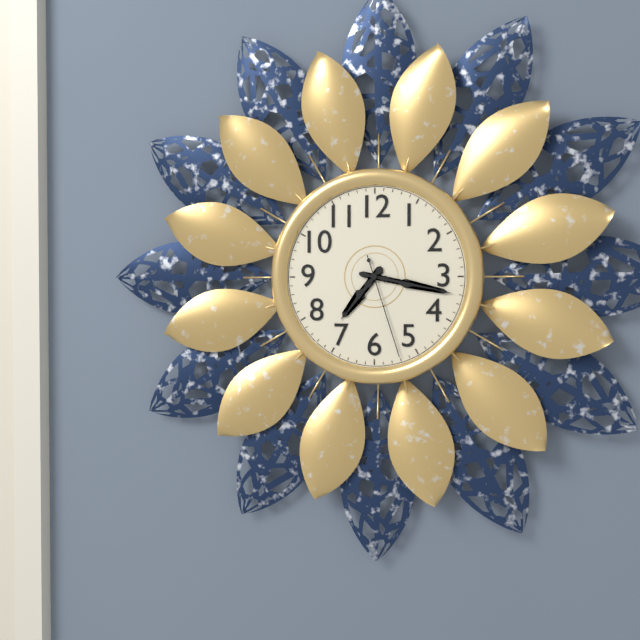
7:17:27
